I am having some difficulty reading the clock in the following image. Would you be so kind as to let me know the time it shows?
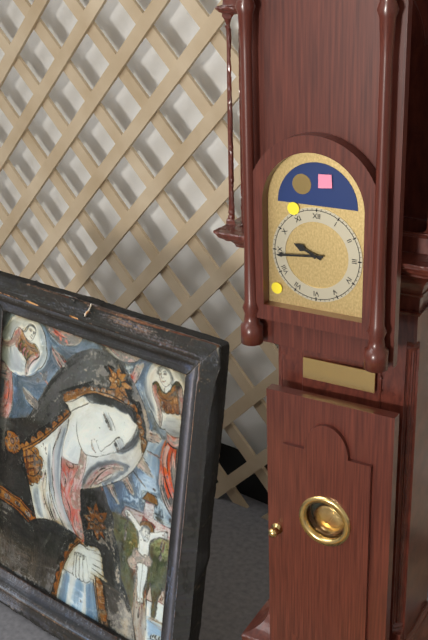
9:44
